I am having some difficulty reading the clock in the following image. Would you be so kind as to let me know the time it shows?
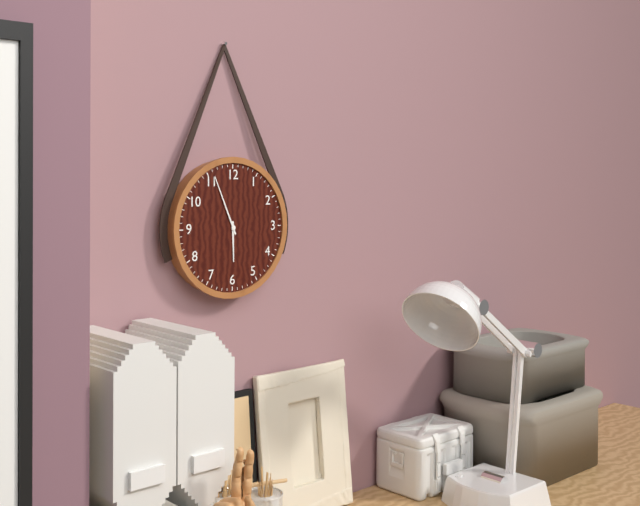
5:56
